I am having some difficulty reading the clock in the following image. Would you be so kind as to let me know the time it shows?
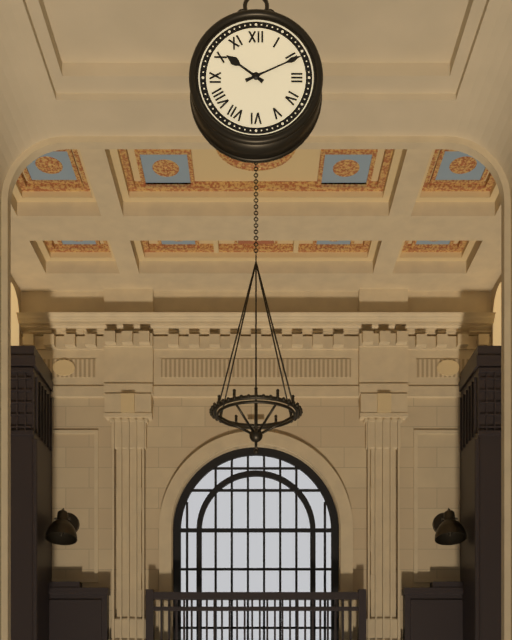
10:11
